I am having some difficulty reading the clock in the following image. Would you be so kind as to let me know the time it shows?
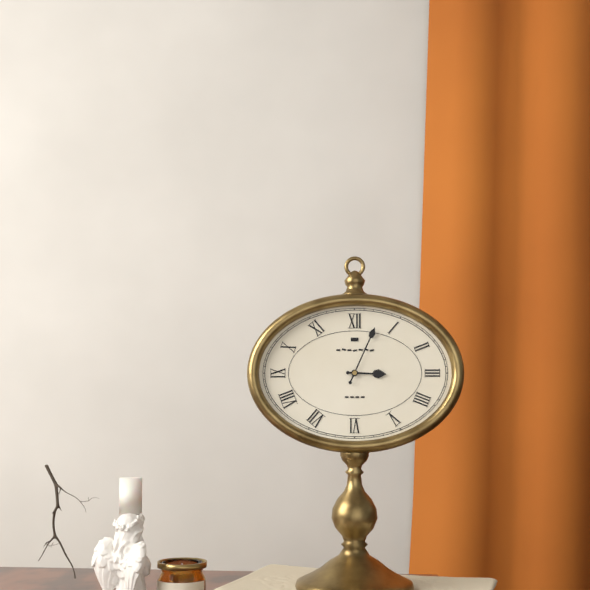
3:04
